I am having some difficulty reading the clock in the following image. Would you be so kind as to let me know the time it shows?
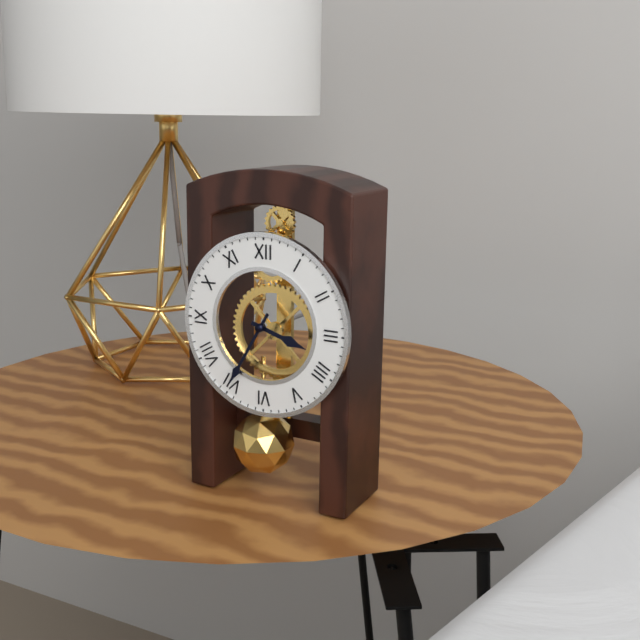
3:35
